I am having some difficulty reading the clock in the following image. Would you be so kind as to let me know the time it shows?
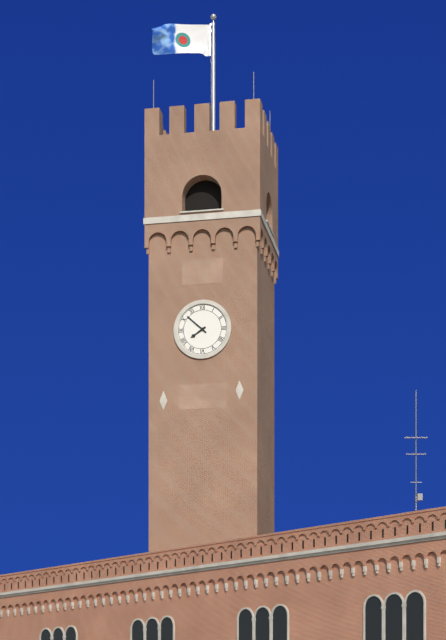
7:52
